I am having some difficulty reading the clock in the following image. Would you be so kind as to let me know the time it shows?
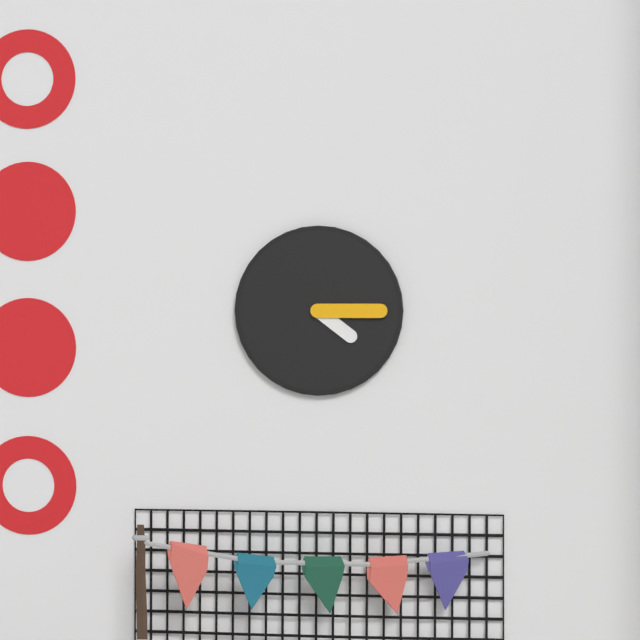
4:15
